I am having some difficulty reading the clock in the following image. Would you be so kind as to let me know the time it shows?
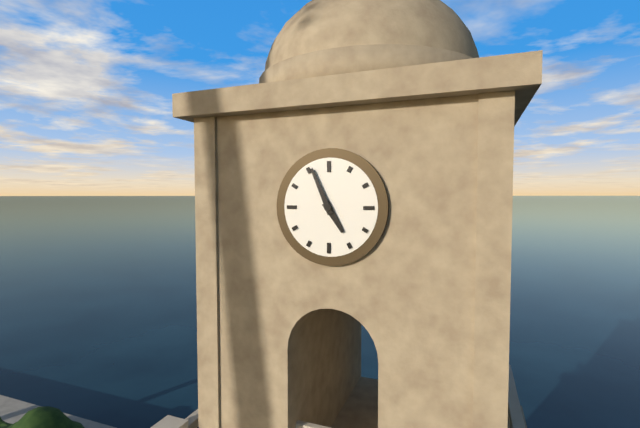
4:56
